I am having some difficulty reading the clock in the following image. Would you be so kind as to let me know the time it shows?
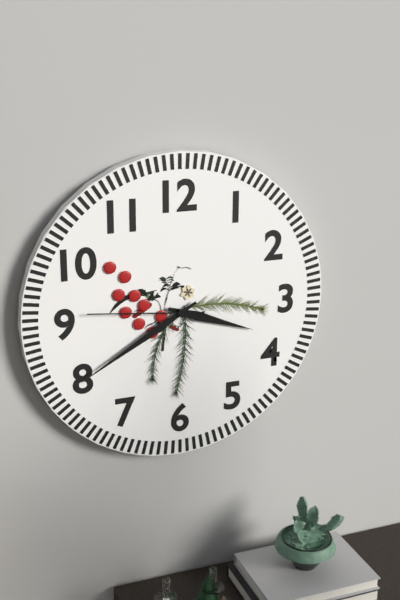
3:40:46
